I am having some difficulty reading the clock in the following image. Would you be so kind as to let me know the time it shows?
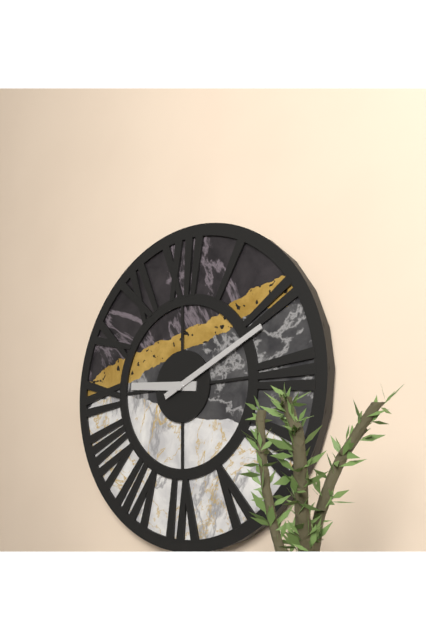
9:11
